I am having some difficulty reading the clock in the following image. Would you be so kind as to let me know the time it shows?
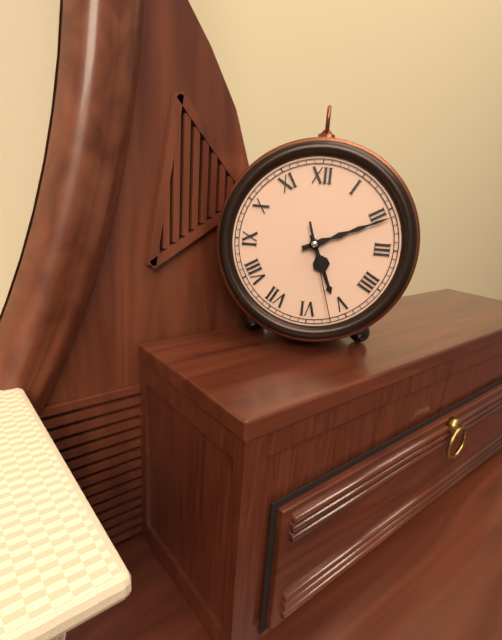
5:11:27
